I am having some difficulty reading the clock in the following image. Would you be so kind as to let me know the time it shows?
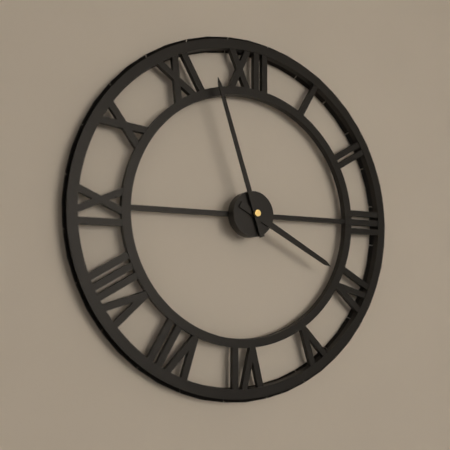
3:57
